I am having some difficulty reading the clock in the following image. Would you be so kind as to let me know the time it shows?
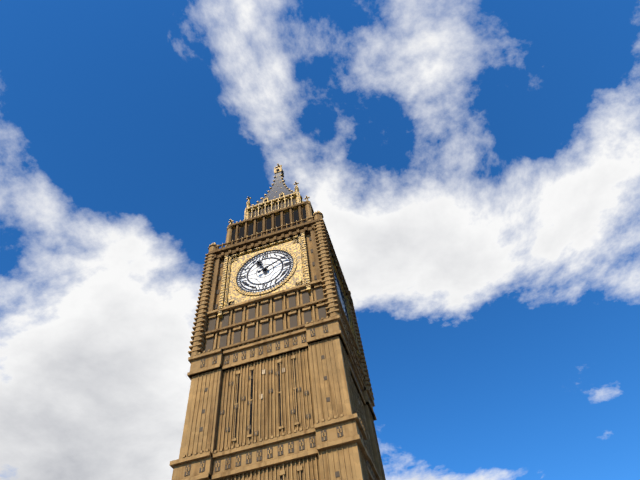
11:11
